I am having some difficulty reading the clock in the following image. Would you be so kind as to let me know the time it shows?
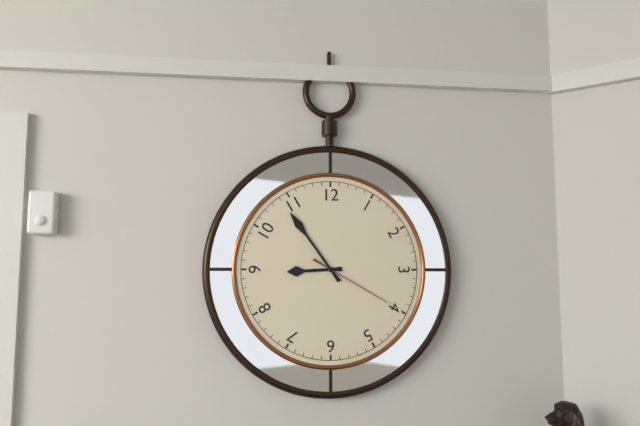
8:54:20
